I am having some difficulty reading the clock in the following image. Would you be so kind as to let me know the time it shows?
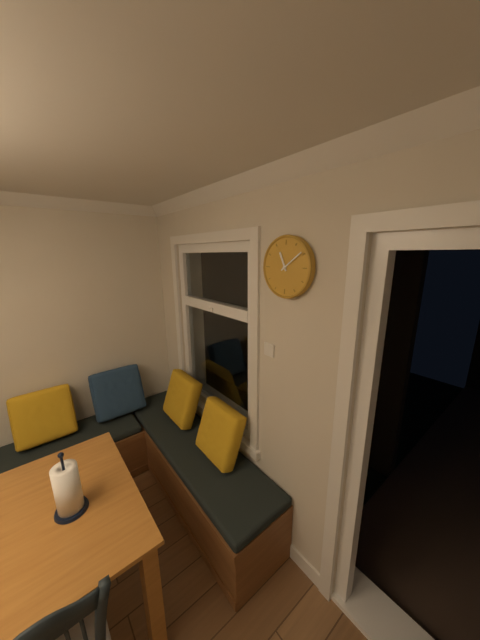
11:09
